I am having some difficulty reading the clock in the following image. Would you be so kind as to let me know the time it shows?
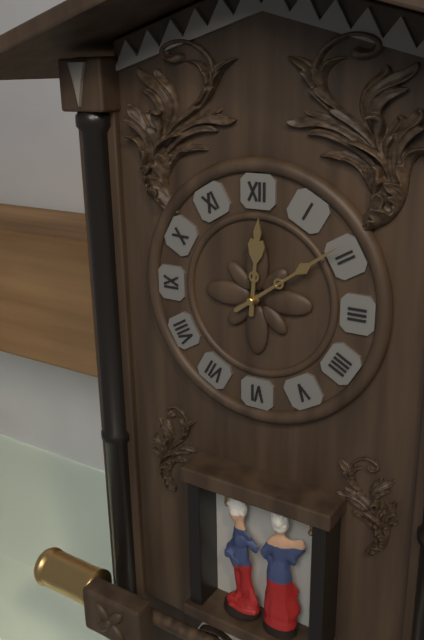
12:09
